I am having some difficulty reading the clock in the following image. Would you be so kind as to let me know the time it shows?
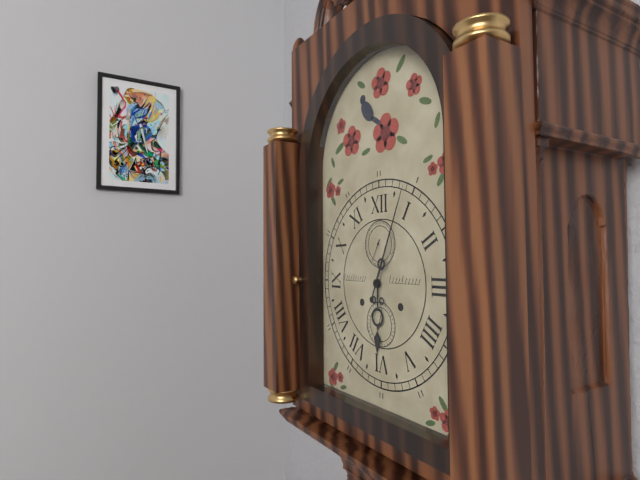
6:04
